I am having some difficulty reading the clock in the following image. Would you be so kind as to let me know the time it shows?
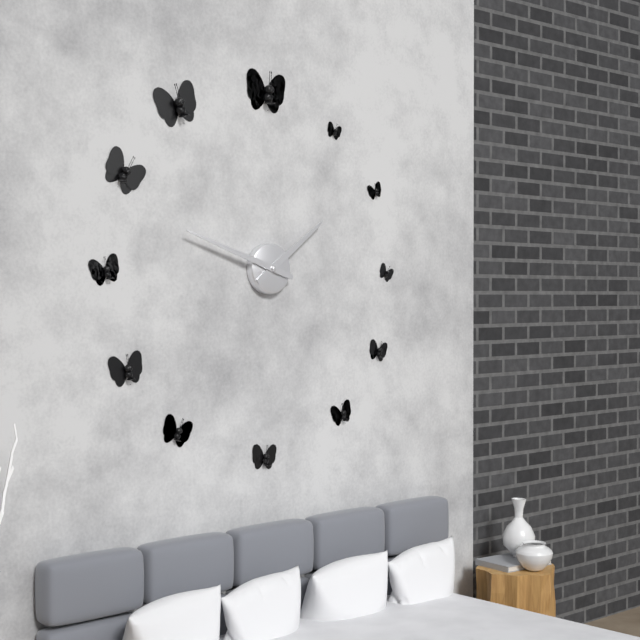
1:48
